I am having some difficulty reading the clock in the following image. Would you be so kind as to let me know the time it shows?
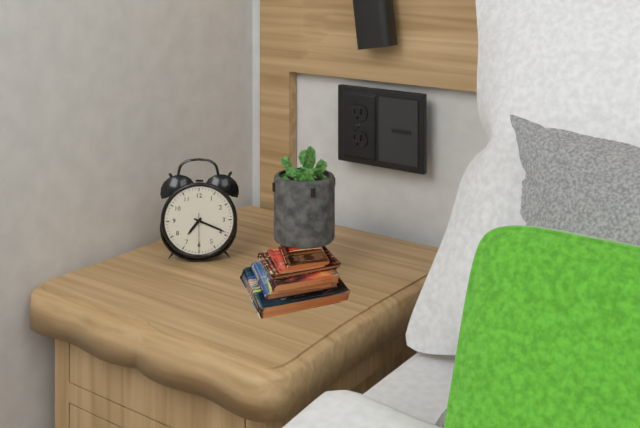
7:19
